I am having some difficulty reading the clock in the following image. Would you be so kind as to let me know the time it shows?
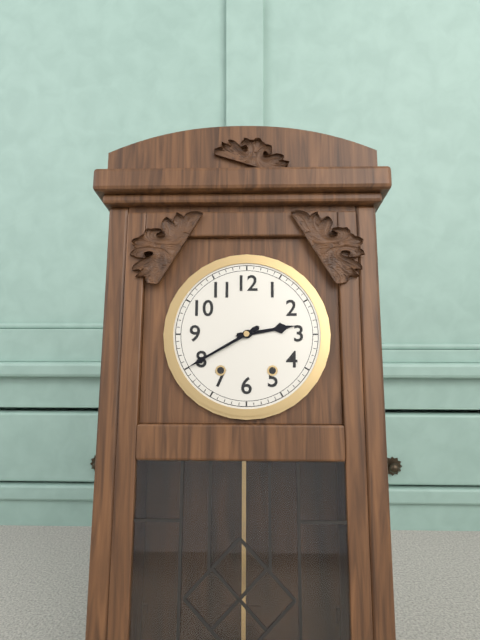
2:40
